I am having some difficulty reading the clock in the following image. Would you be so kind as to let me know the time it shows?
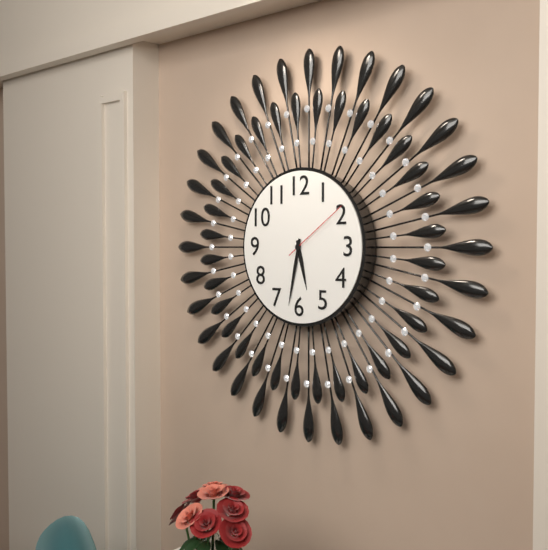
5:32:09
